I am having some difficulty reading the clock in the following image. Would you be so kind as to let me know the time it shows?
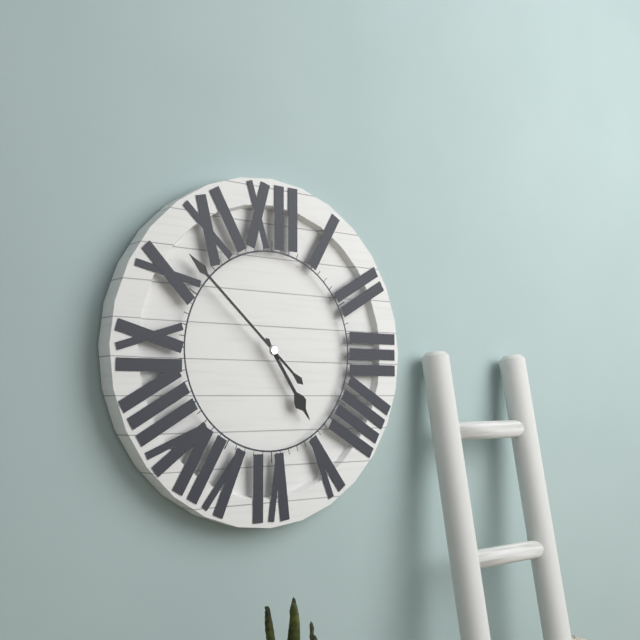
4:52
